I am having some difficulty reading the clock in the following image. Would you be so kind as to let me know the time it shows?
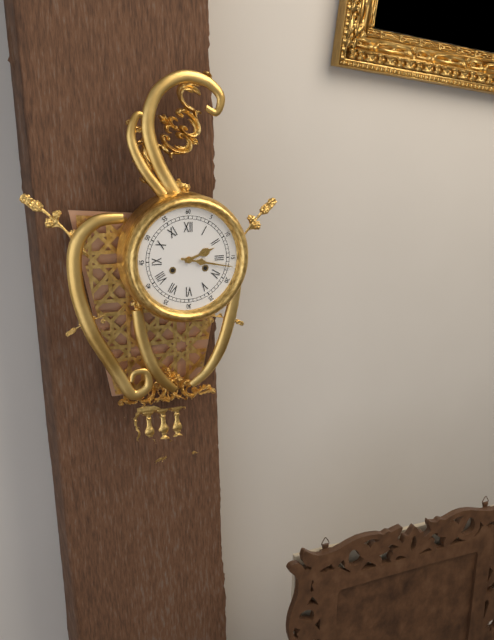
2:17
